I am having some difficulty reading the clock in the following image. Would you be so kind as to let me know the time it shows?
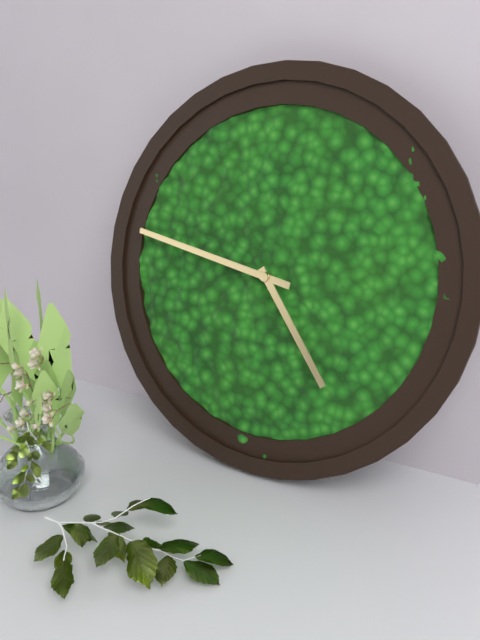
4:47
